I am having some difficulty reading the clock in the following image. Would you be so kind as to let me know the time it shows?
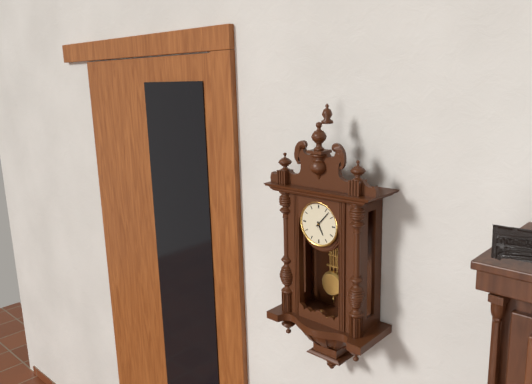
5:07
